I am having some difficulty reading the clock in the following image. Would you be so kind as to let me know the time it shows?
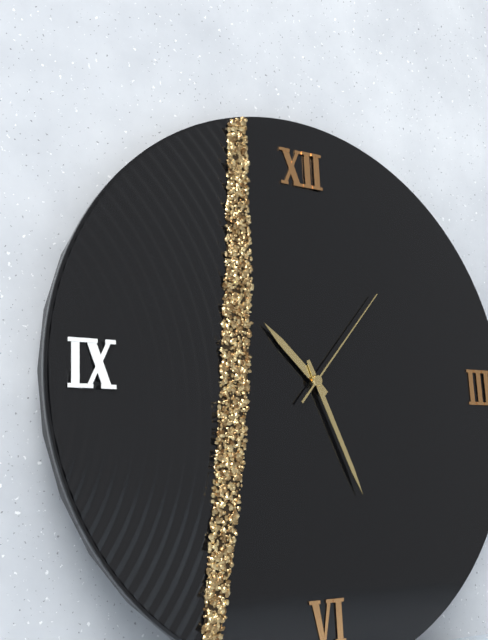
10:26:07
